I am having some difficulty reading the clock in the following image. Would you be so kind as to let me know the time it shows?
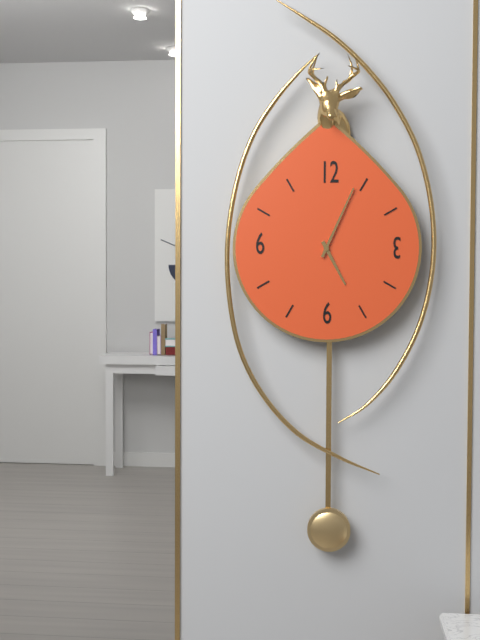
5:04
